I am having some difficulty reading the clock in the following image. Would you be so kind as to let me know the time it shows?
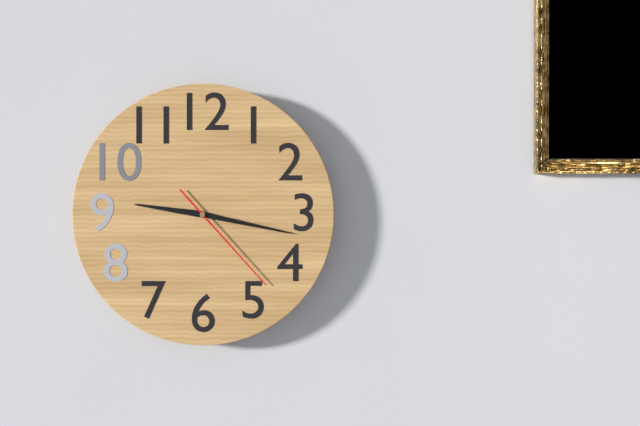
9:17:23
